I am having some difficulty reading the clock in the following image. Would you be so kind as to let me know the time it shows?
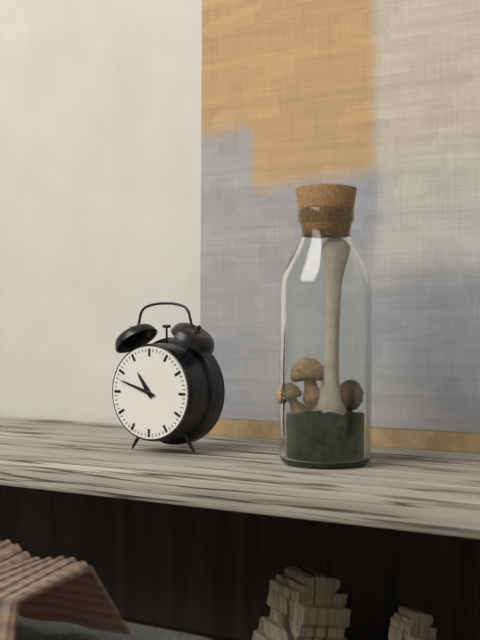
10:48
